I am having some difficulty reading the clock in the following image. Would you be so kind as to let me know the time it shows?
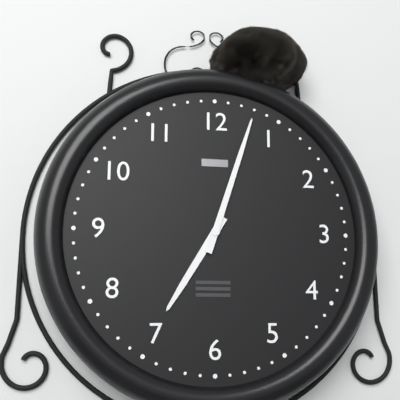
7:03
